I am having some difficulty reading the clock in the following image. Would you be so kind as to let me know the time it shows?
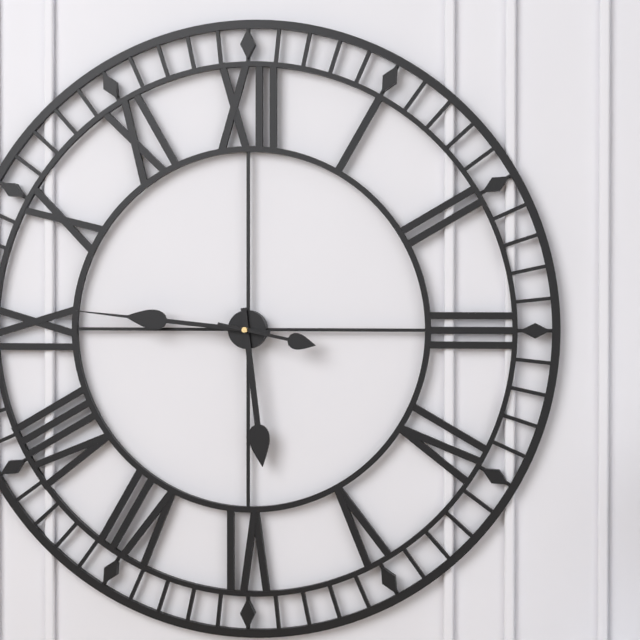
5:46:17
